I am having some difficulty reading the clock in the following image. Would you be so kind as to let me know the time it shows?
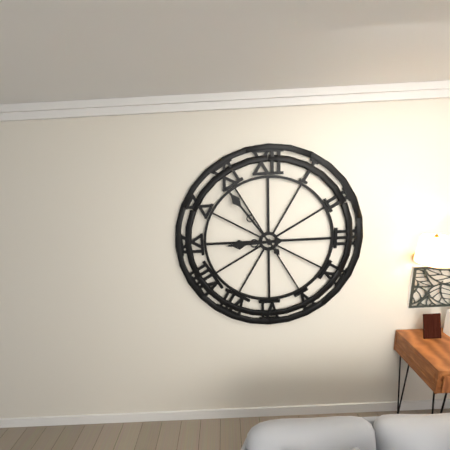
8:54
